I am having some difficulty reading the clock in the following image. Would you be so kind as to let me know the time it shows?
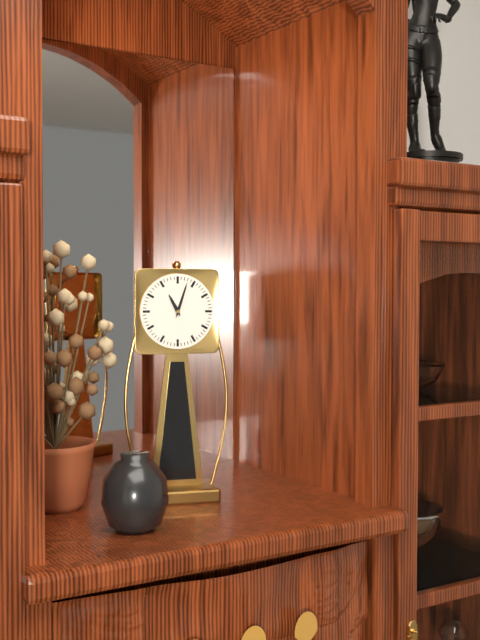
11:03
